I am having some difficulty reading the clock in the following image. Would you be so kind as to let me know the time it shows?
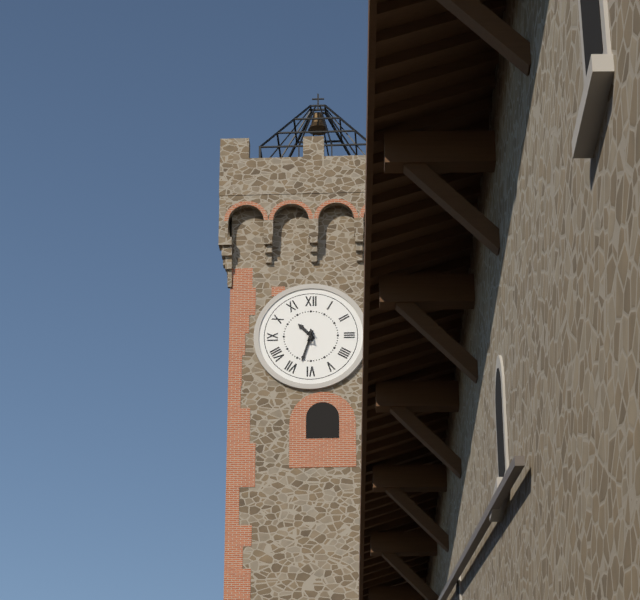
10:33
